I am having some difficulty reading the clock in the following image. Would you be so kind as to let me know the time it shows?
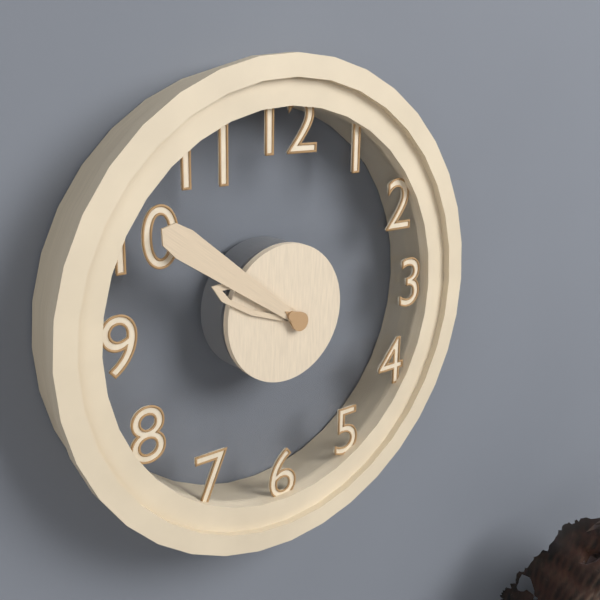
9:51
